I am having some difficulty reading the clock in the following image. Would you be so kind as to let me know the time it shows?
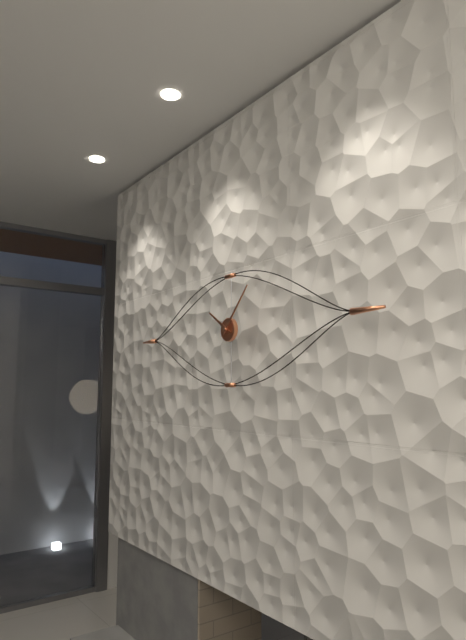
10:07
